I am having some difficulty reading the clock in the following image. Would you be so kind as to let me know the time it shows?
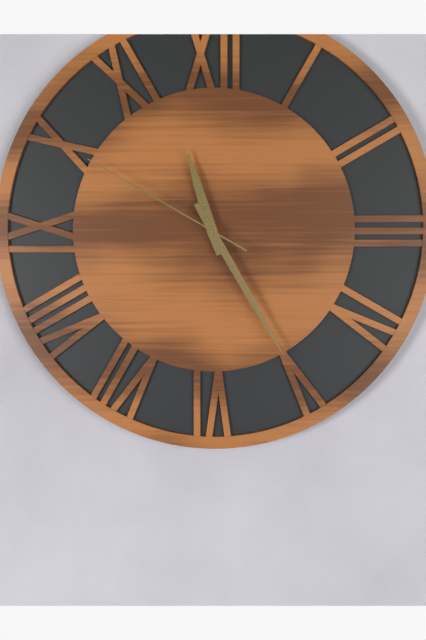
11:25:50
